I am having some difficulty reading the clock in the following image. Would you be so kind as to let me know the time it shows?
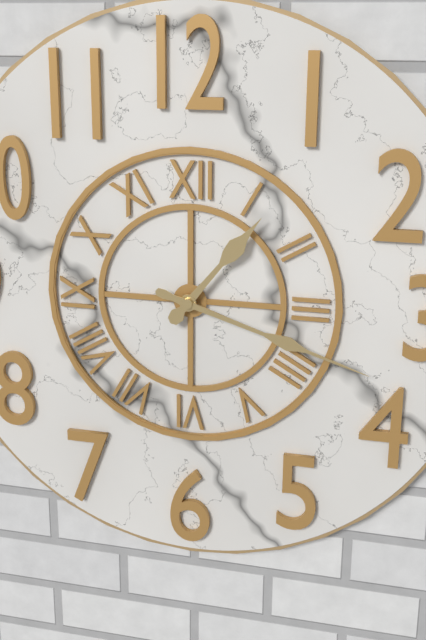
1:18
